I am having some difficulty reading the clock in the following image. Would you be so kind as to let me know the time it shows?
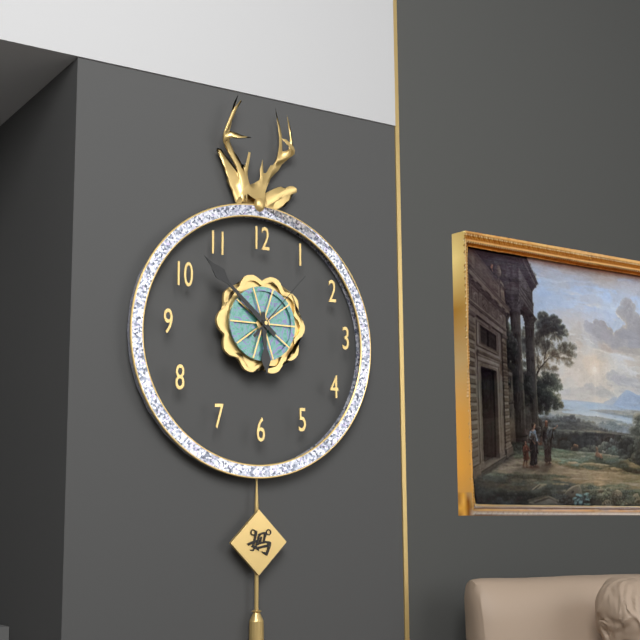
5:52:07
